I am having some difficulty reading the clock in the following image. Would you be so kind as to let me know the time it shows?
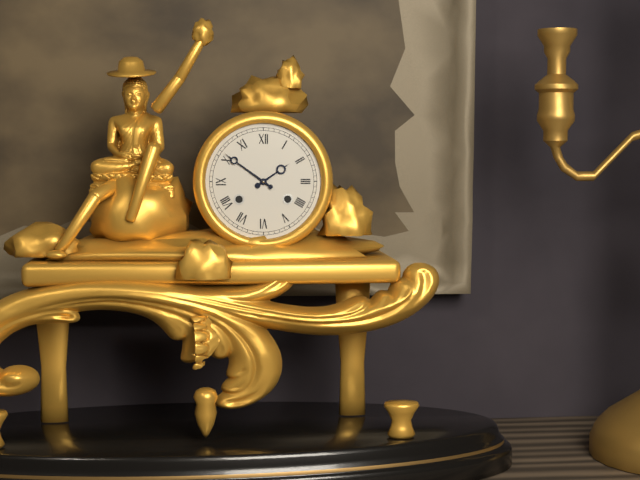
1:51
